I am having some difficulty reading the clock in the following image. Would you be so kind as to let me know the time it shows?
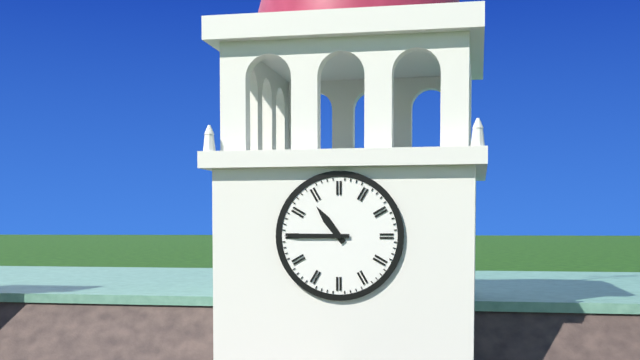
10:45
